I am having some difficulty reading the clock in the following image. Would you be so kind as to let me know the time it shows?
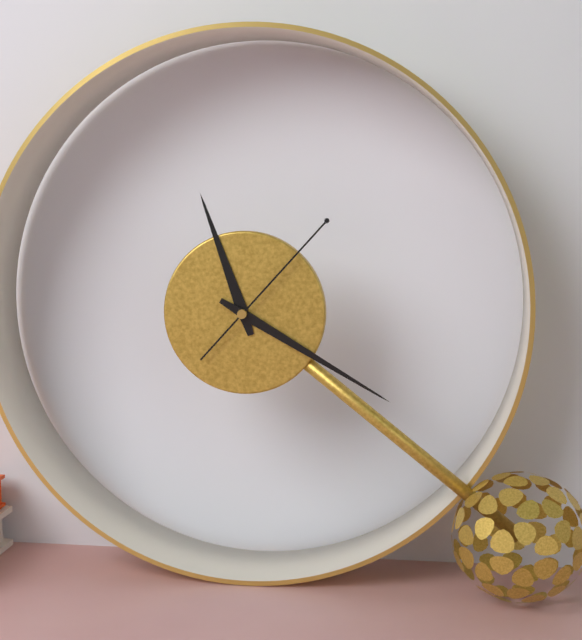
11:20:07
